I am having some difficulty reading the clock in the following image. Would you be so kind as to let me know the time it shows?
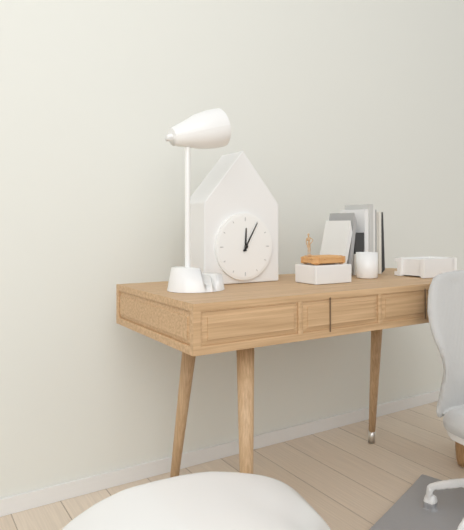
12:05
